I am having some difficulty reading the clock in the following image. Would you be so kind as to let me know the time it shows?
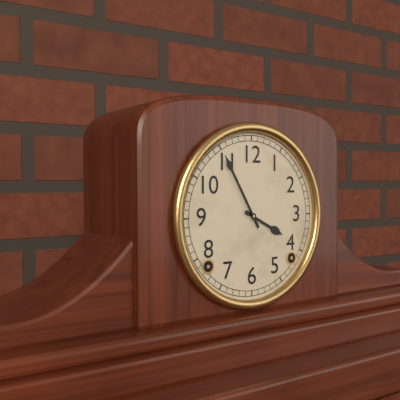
3:55
